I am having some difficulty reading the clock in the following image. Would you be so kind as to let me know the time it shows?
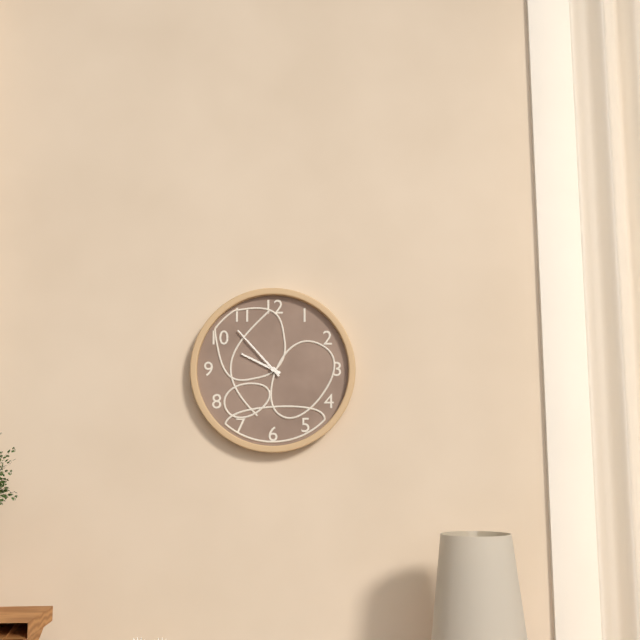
9:53
